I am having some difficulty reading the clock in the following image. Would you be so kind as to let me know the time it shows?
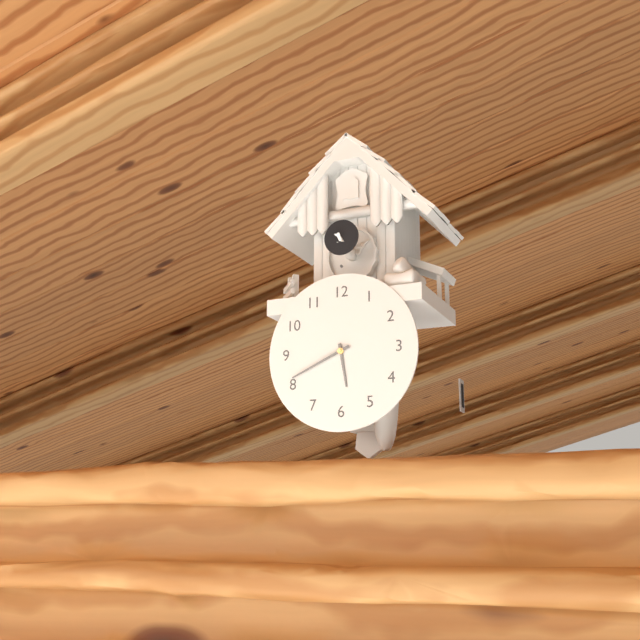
5:41
